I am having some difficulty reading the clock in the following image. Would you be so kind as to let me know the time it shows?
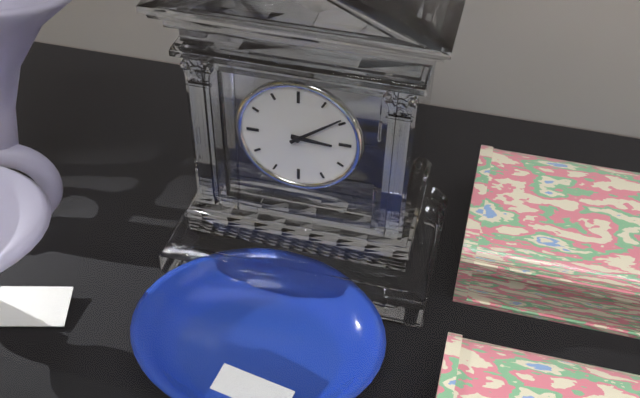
3:09
